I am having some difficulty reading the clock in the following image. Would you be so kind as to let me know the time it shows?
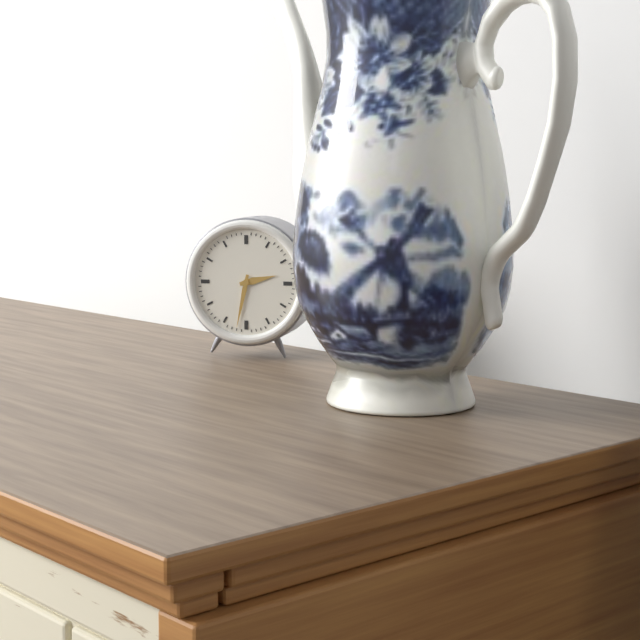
2:32
